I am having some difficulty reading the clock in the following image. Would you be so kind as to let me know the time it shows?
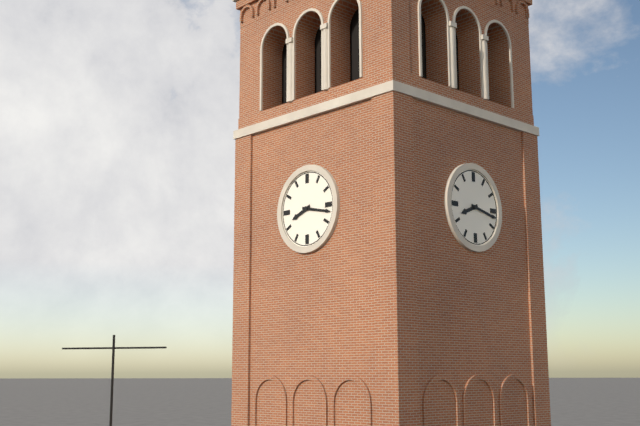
8:17
